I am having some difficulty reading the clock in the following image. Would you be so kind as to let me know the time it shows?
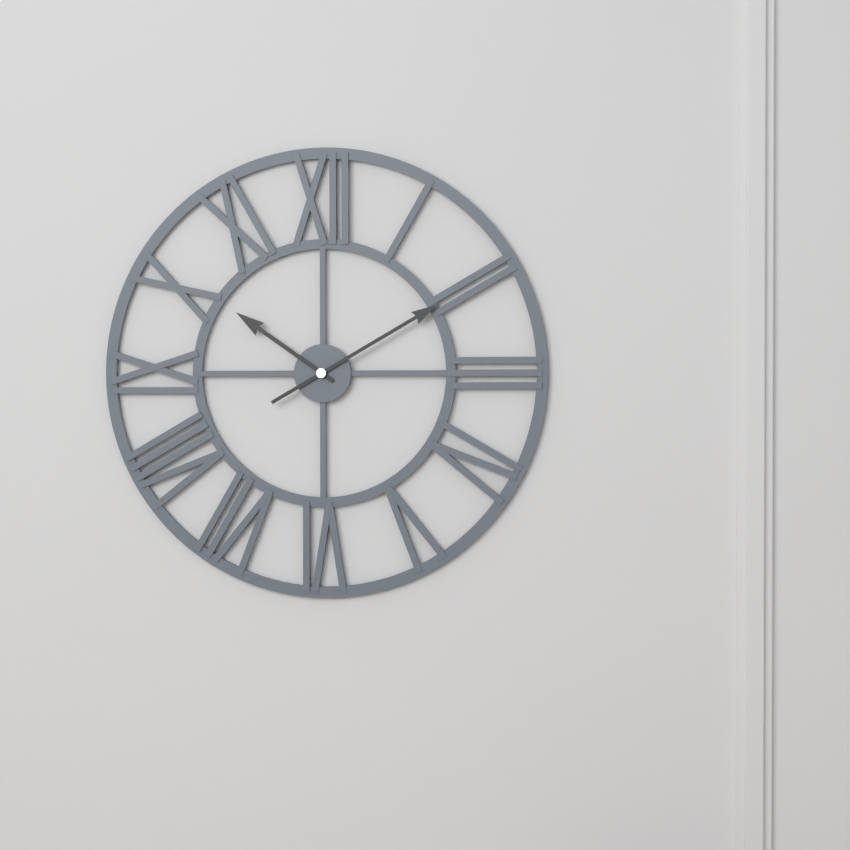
10:10
